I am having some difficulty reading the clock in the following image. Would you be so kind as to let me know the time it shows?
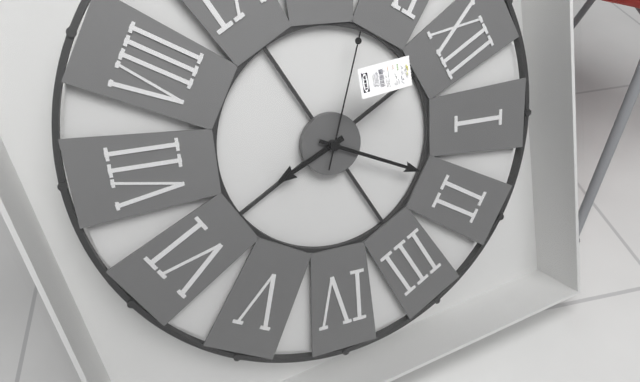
6:09:53
